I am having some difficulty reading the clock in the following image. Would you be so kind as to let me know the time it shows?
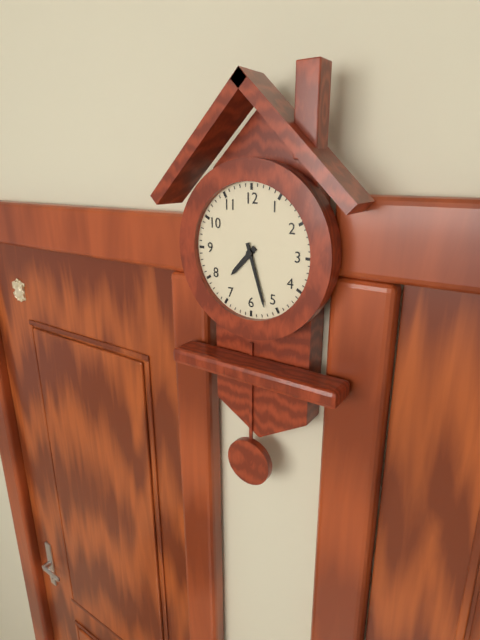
7:27
